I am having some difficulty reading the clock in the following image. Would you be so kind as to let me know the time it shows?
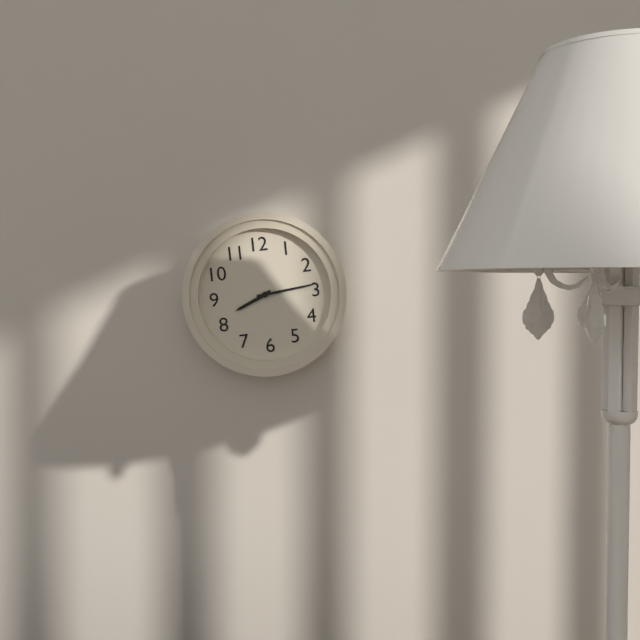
8:14
